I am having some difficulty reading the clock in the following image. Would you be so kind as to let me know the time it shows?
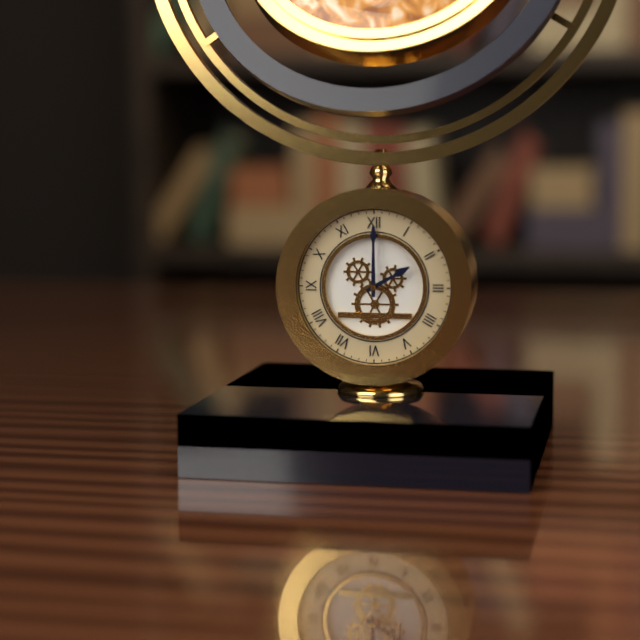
2:00
